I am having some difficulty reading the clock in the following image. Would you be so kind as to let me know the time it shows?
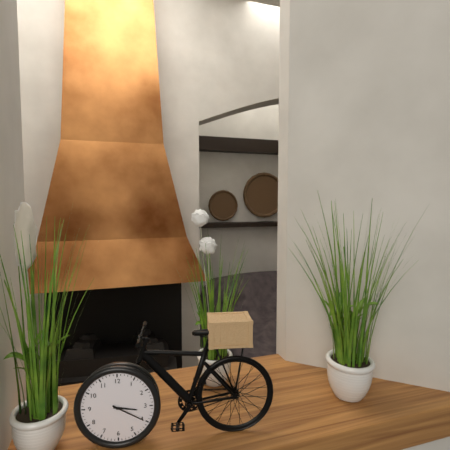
3:20
